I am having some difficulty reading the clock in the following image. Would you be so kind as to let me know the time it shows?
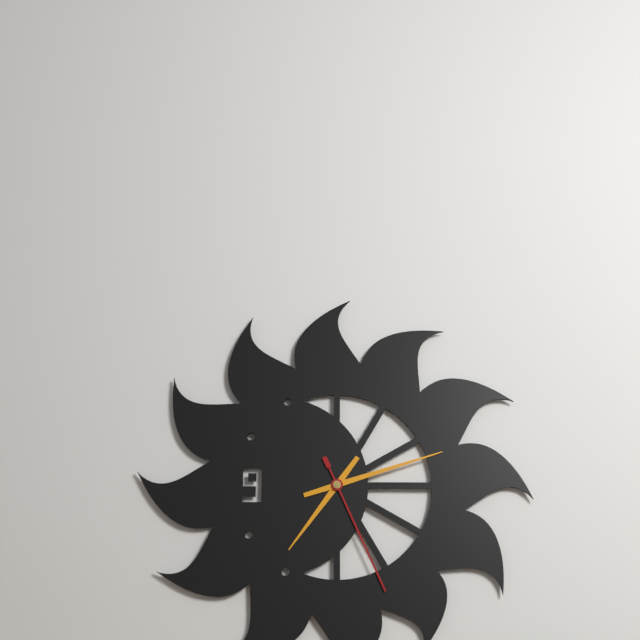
7:12:26
